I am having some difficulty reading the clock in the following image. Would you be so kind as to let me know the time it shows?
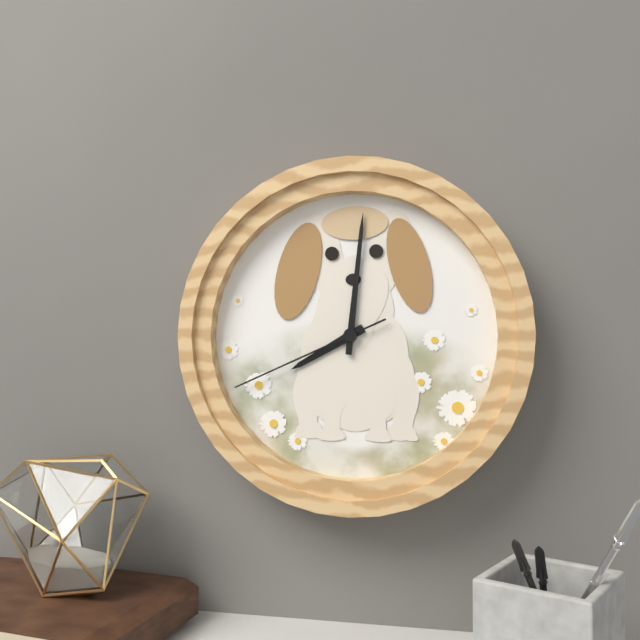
8:01:41
